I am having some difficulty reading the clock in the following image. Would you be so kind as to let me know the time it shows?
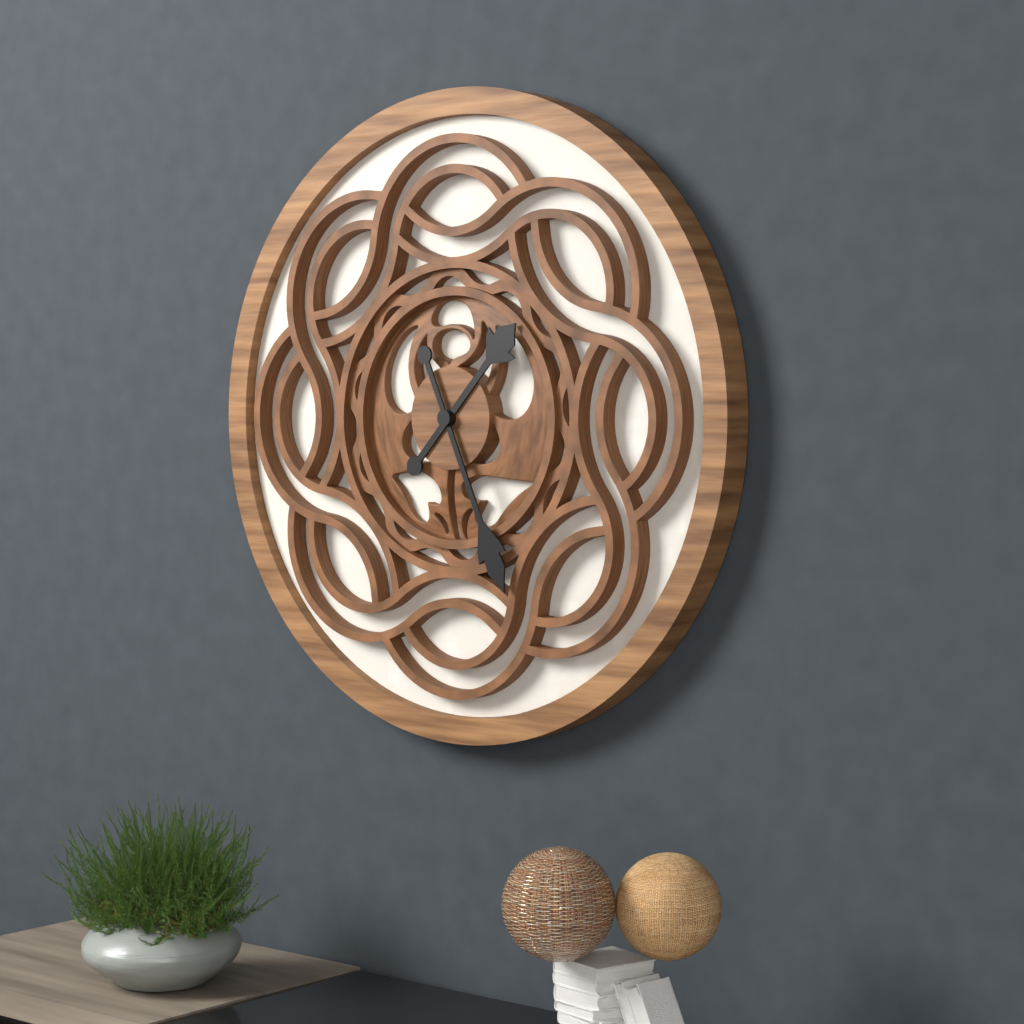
1:26
